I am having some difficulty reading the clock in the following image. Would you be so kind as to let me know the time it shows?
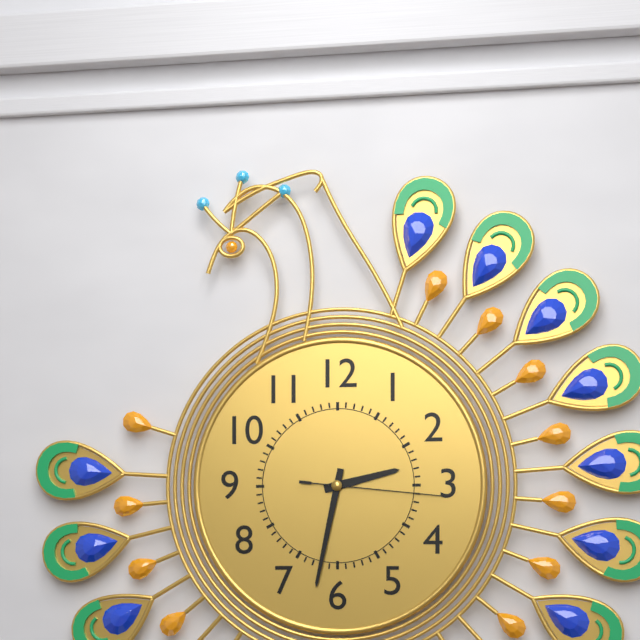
2:32:16
